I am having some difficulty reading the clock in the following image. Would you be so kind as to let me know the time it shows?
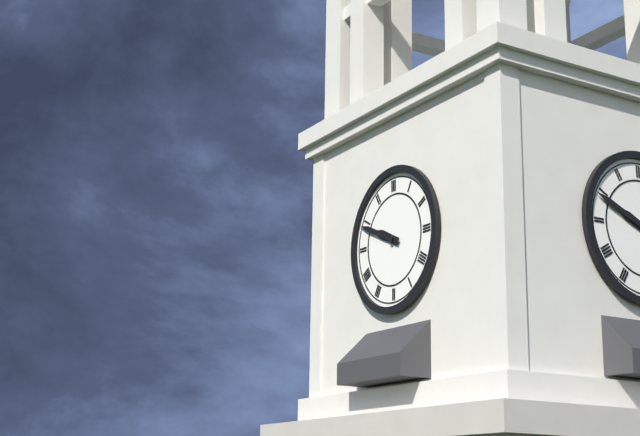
9:49
